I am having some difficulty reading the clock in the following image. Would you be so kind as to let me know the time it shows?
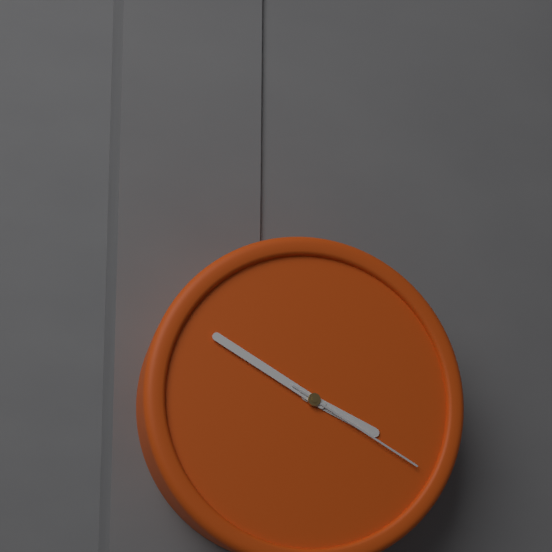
3:50:20
